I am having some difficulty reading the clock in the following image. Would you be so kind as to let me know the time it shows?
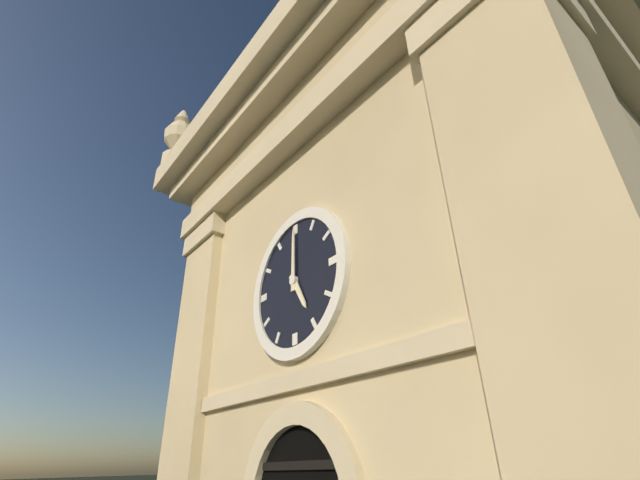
5:00
